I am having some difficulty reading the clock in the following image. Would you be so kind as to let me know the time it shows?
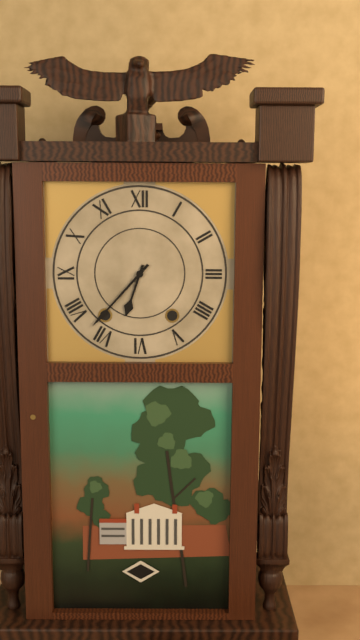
6:37
